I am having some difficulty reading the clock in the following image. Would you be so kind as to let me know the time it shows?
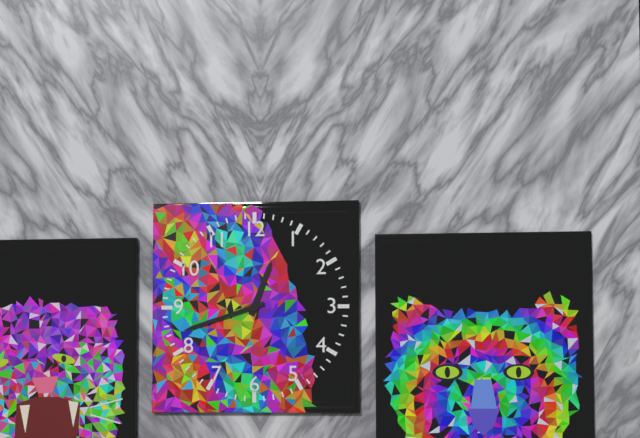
12:42
